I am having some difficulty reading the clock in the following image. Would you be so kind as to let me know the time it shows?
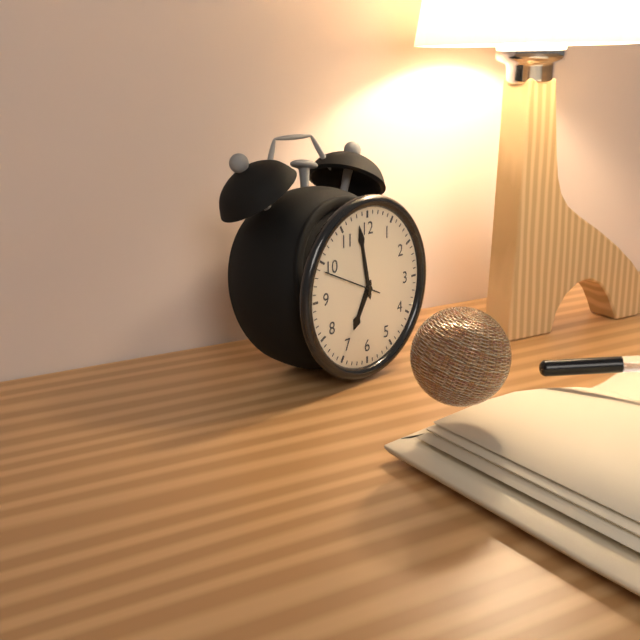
6:58:49
